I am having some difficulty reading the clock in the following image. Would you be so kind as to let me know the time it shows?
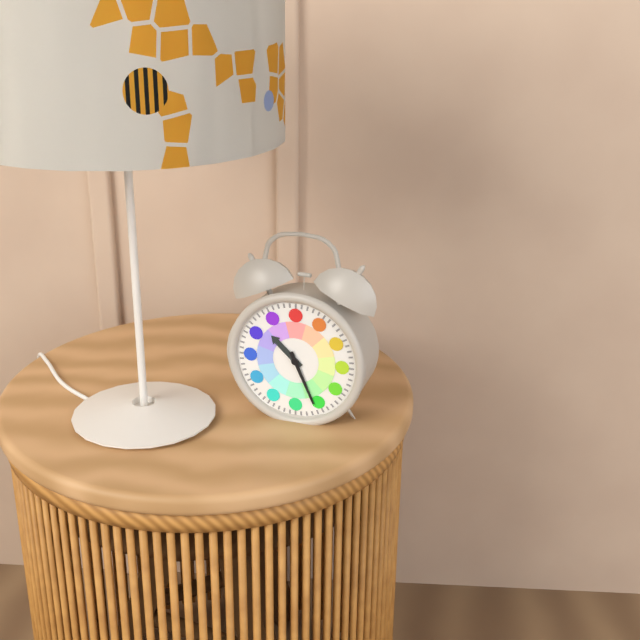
10:26
